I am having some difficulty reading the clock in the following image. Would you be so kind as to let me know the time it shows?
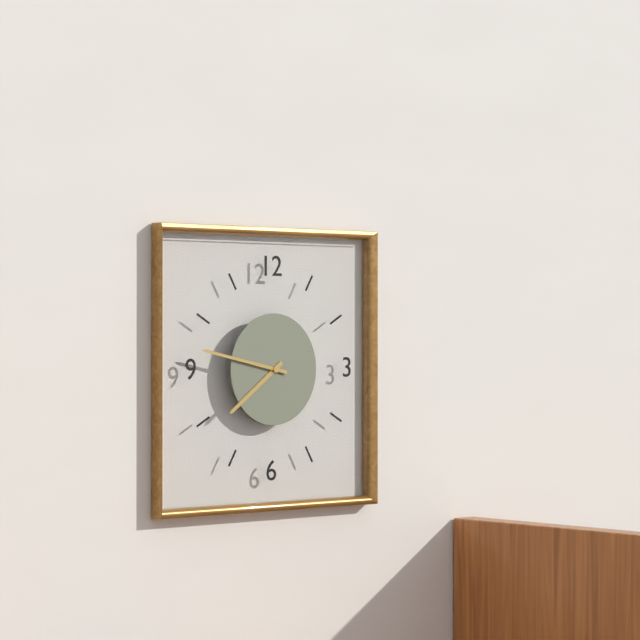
7:47
